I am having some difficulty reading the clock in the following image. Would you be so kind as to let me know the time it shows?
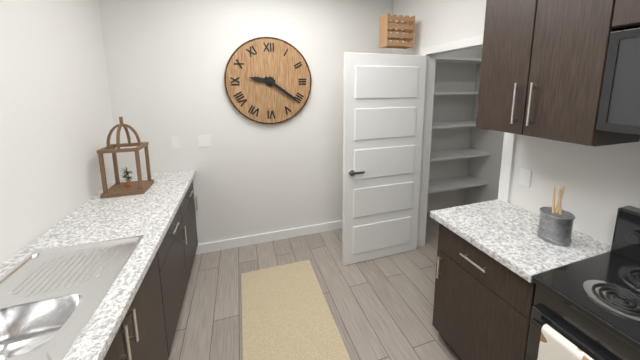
9:21
